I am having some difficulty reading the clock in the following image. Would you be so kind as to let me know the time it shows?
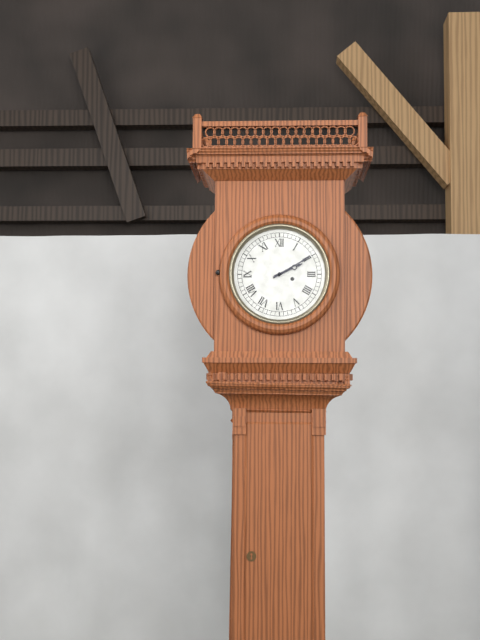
2:10
